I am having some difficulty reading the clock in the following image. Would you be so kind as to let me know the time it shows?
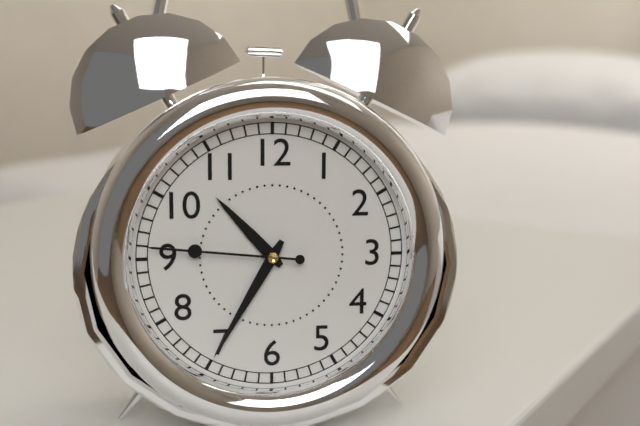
10:35:46
